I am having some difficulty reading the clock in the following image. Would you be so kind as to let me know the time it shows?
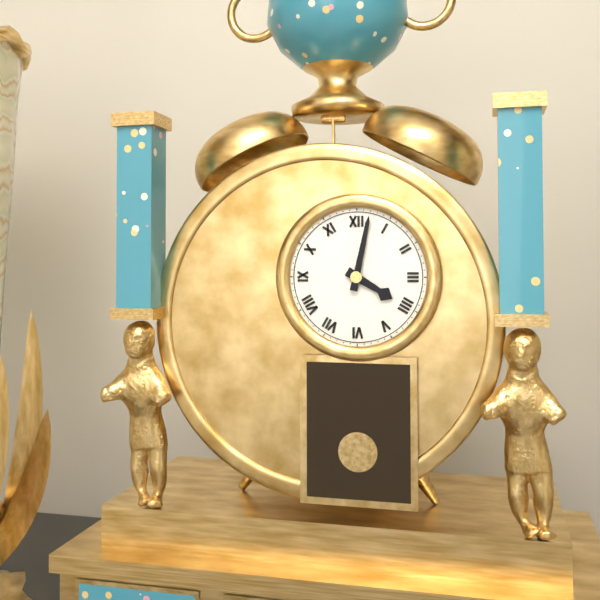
4:02
